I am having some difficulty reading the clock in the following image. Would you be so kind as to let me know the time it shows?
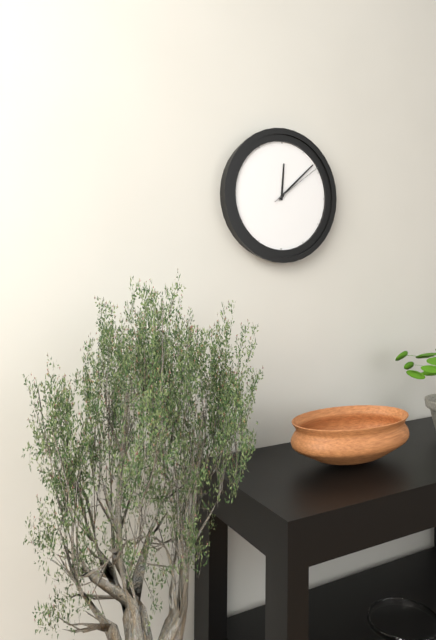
12:08:09
